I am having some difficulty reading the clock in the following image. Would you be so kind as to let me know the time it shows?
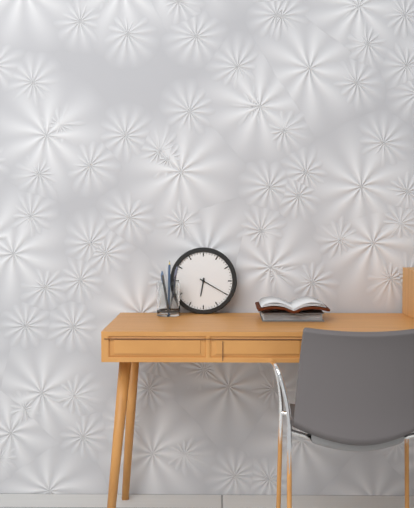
6:20
